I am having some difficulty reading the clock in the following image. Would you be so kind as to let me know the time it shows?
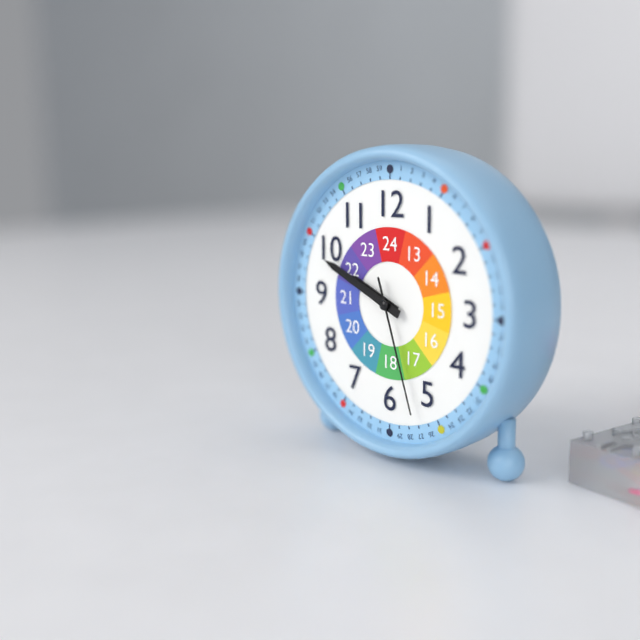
9:49:27
